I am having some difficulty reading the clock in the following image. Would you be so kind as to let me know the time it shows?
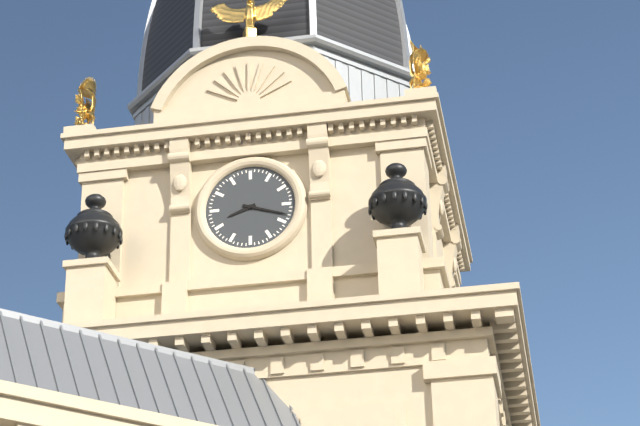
8:18
